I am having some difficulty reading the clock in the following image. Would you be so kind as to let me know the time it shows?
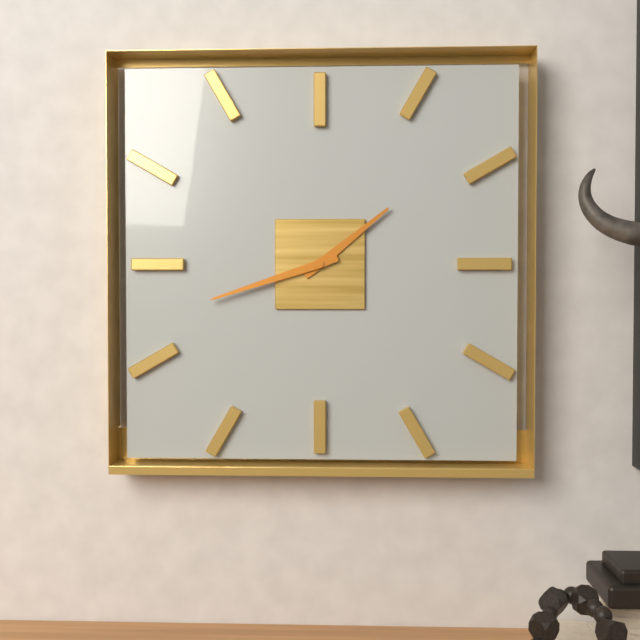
1:42
